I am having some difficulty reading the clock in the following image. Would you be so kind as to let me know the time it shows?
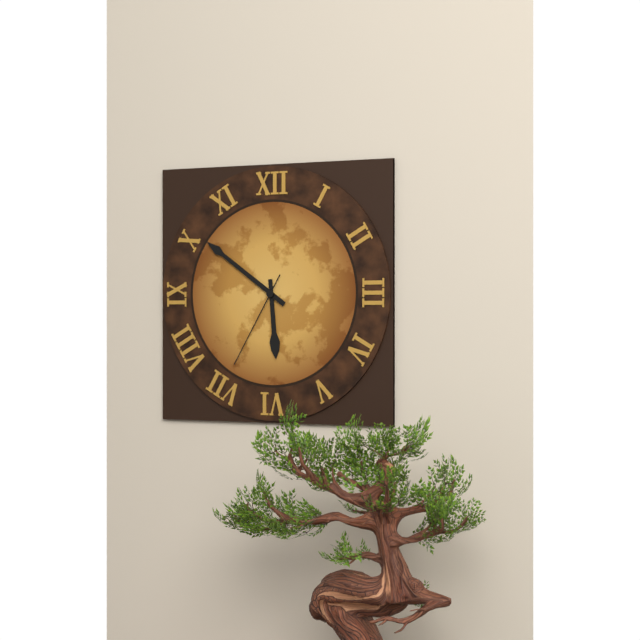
5:51:35
